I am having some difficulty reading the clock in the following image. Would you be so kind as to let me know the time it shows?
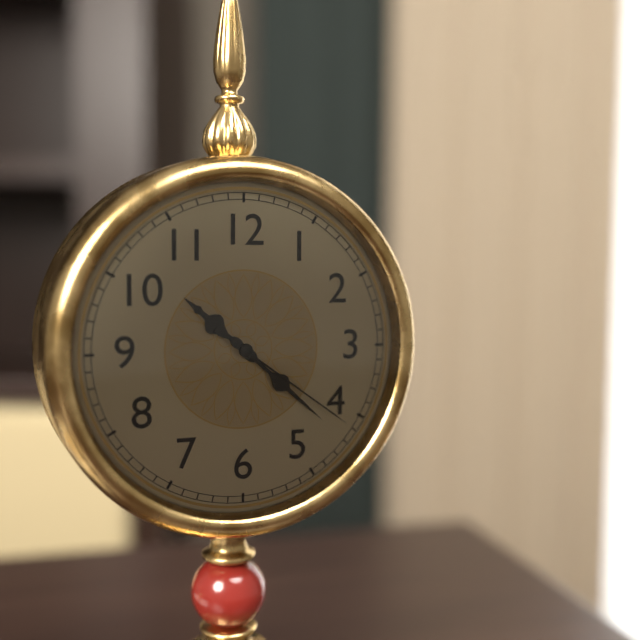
10:22:21
